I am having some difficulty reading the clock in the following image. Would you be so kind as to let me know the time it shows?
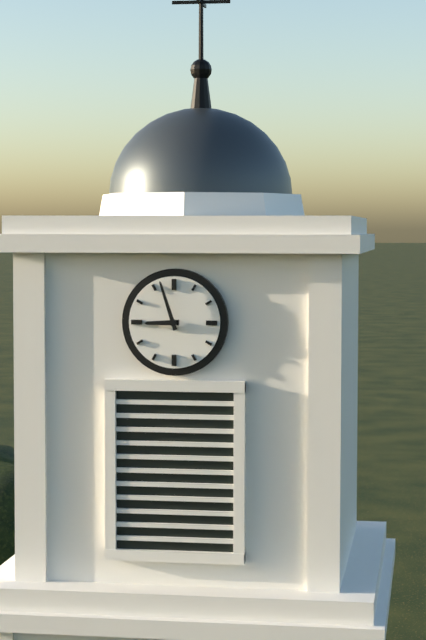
8:57
